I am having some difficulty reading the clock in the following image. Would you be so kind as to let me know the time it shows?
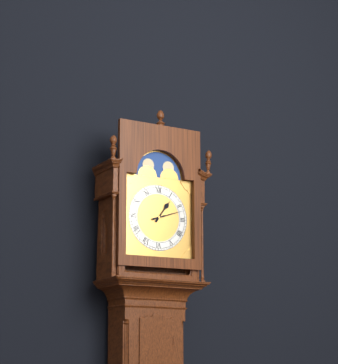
1:12
